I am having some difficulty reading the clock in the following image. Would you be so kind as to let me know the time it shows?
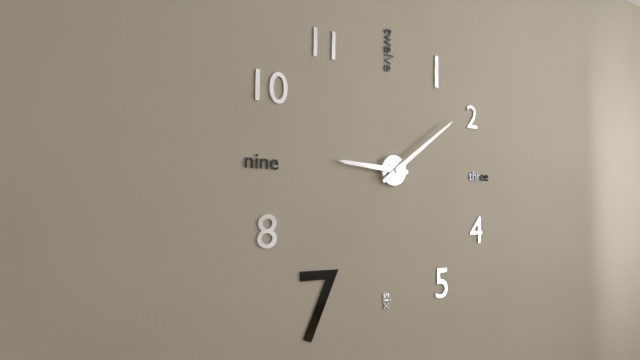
9:09
